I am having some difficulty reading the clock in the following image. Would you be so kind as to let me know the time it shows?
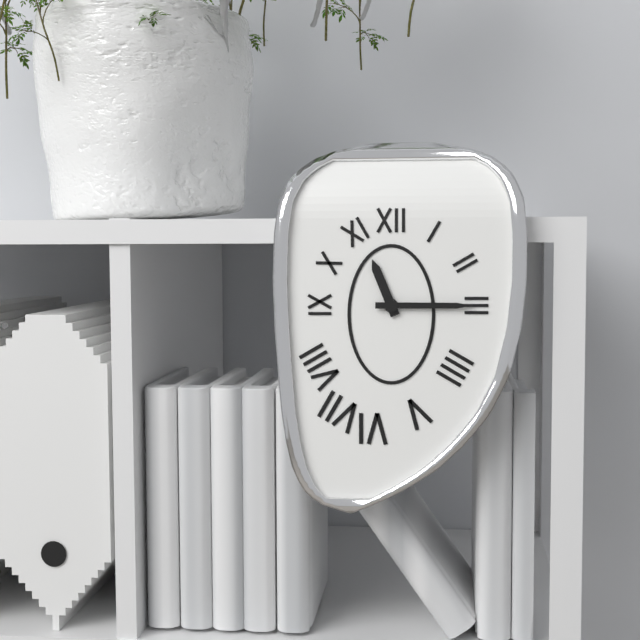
11:15
